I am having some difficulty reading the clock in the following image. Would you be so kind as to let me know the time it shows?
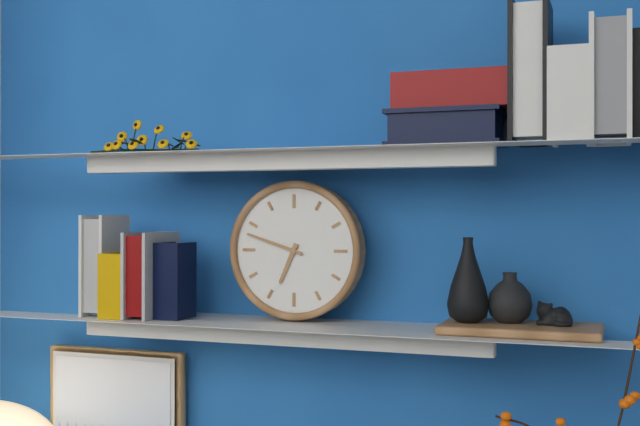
6:48
